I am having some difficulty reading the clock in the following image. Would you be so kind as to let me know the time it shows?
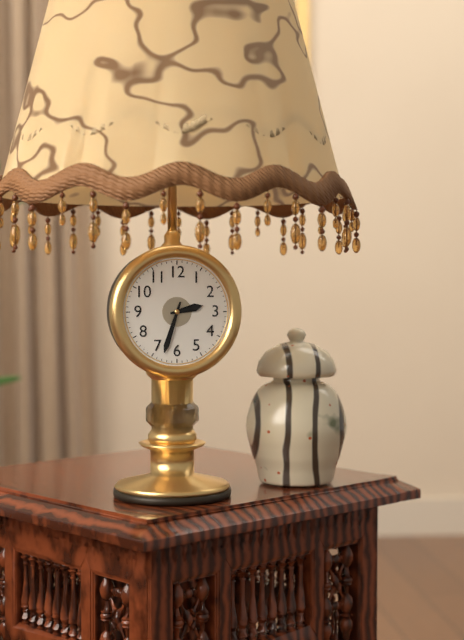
2:33
